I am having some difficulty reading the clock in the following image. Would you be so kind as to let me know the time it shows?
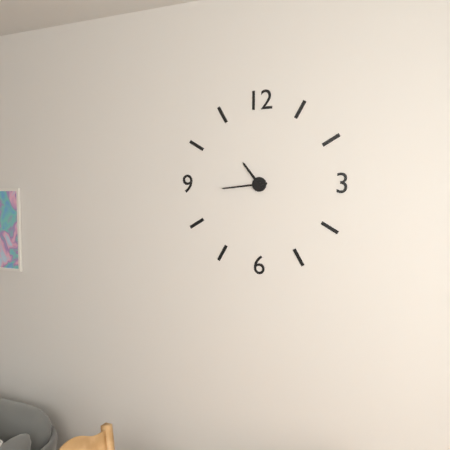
10:44
